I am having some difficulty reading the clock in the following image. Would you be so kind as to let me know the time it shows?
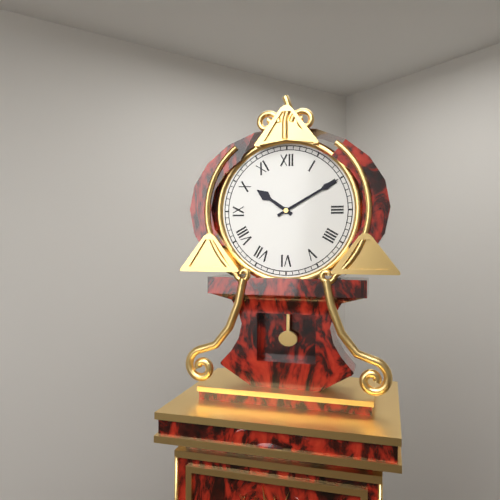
10:10
